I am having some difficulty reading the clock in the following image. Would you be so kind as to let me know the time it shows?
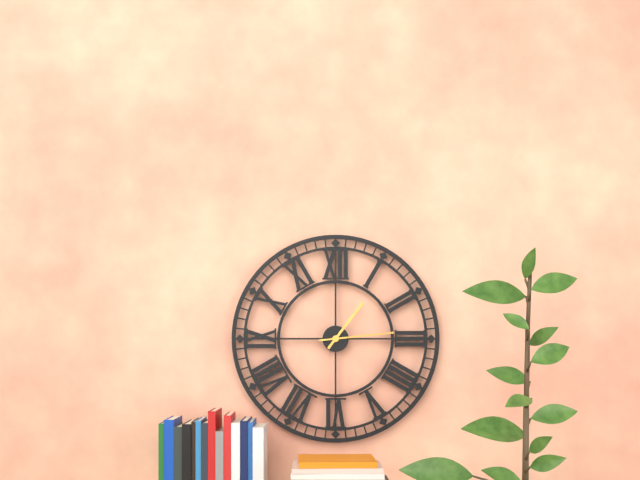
1:14
